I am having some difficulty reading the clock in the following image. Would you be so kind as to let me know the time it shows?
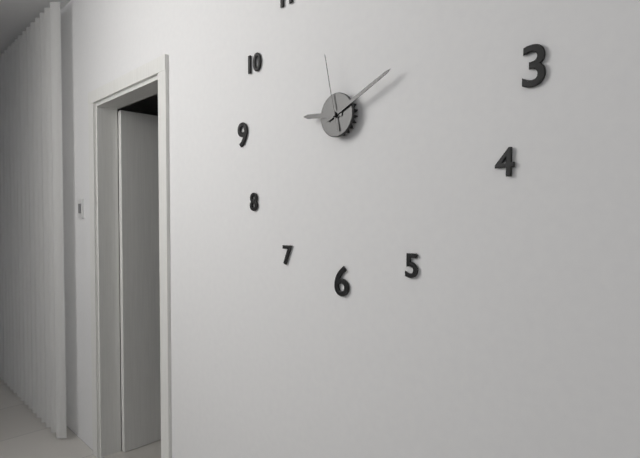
9:11:58
